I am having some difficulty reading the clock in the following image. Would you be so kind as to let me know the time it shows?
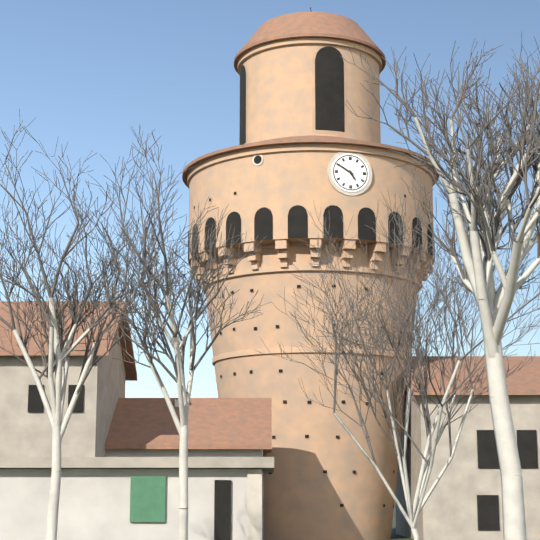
4:50
